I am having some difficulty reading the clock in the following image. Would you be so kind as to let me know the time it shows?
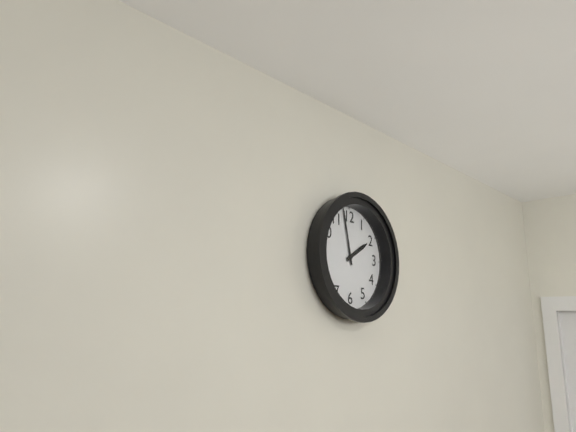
1:58
